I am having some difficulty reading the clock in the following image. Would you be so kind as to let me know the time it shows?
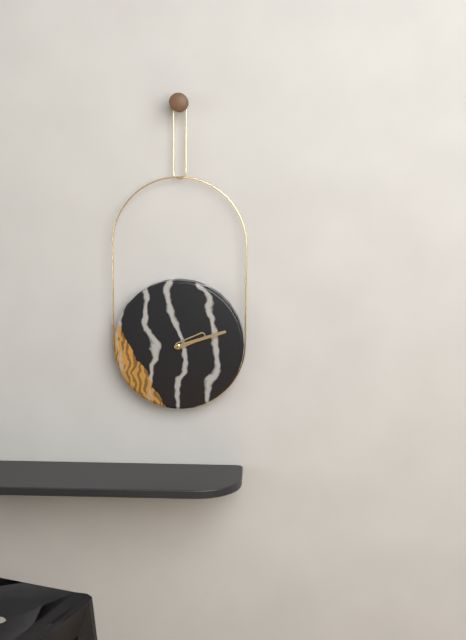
2:12
